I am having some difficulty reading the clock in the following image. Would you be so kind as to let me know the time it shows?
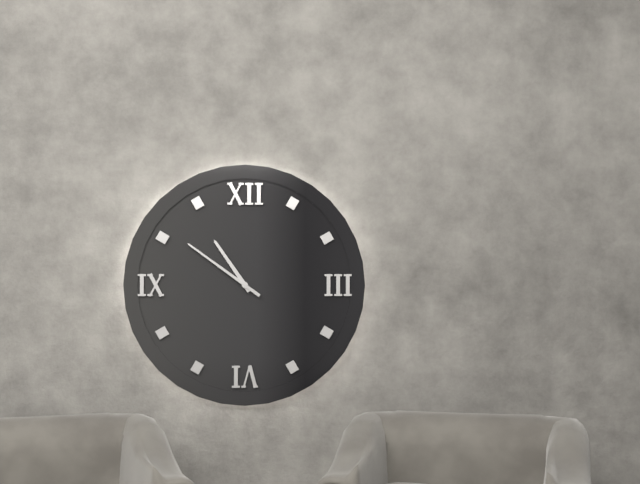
10:51
